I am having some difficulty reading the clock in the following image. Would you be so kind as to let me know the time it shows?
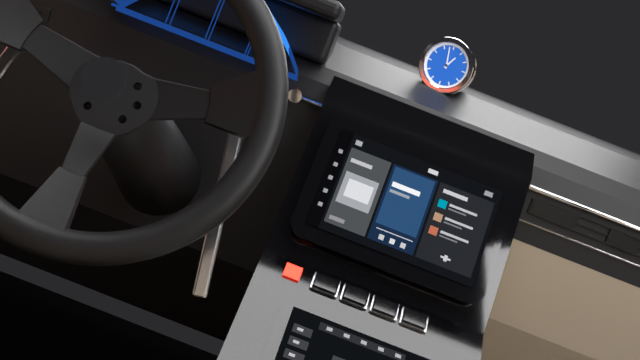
12:58
